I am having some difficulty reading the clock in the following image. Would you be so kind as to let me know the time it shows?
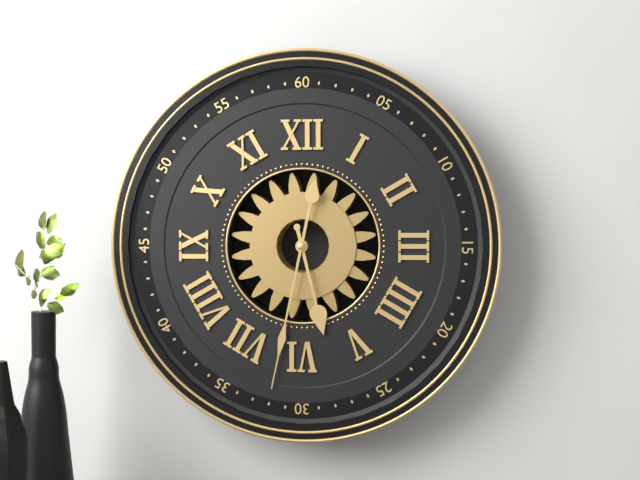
5:32
